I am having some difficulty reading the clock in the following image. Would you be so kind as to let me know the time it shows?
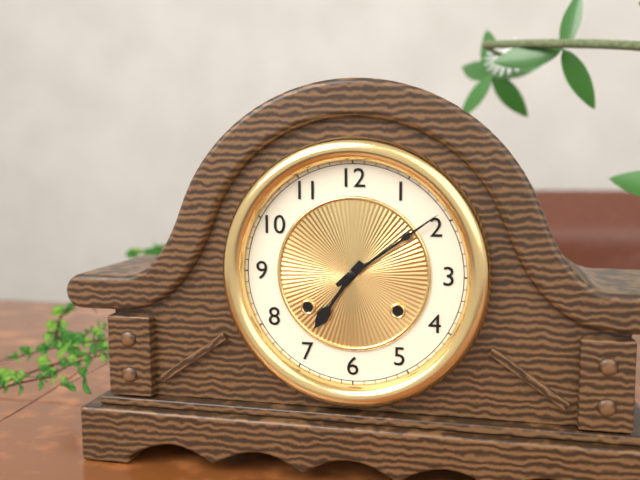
7:09
